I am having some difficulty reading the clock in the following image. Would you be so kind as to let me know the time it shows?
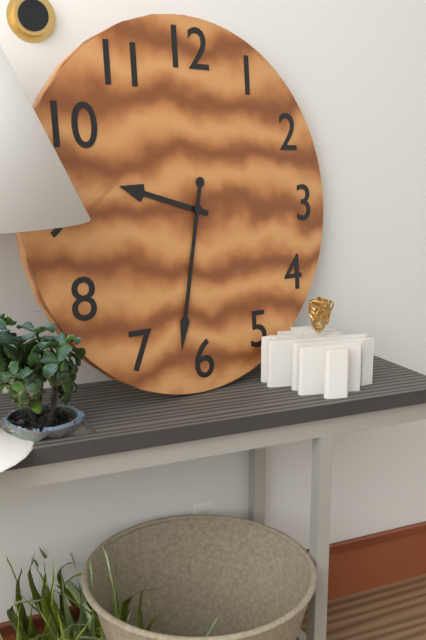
9:32
